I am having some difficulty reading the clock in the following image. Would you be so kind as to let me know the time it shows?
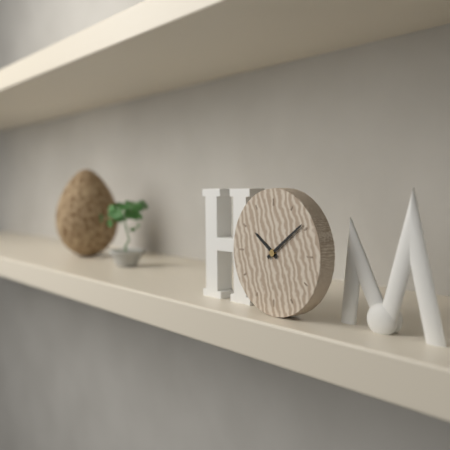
10:09
